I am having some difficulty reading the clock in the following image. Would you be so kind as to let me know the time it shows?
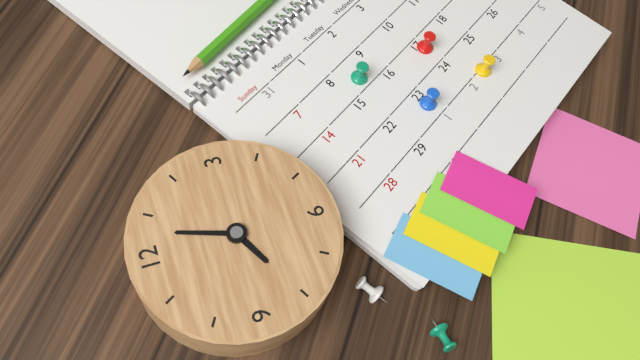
8:03
